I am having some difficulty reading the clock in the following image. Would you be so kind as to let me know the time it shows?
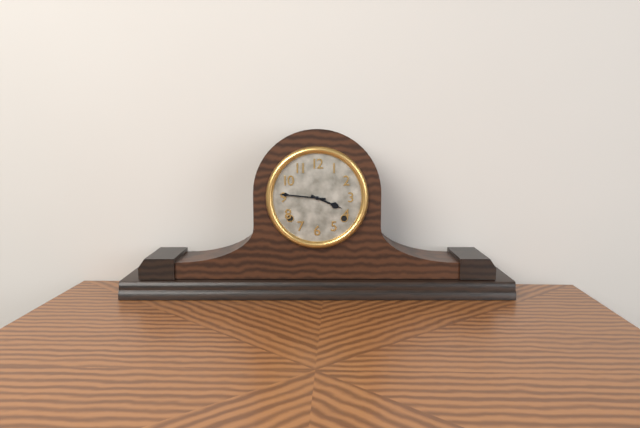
3:46
